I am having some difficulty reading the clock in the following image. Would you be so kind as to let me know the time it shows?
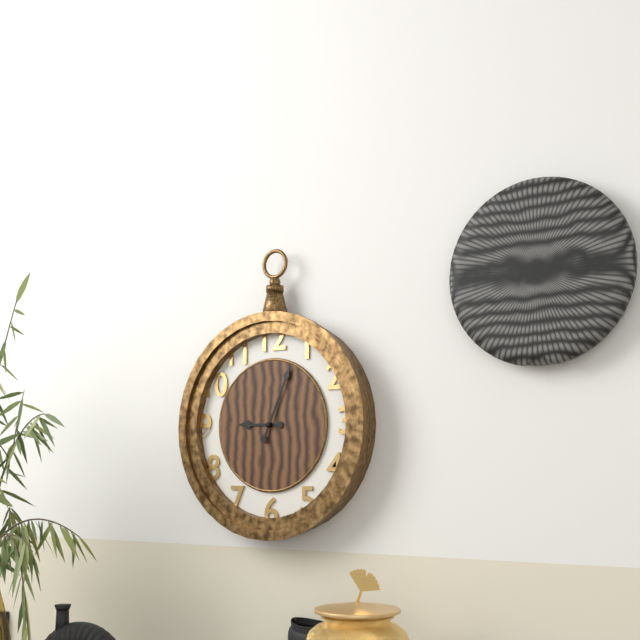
9:04
